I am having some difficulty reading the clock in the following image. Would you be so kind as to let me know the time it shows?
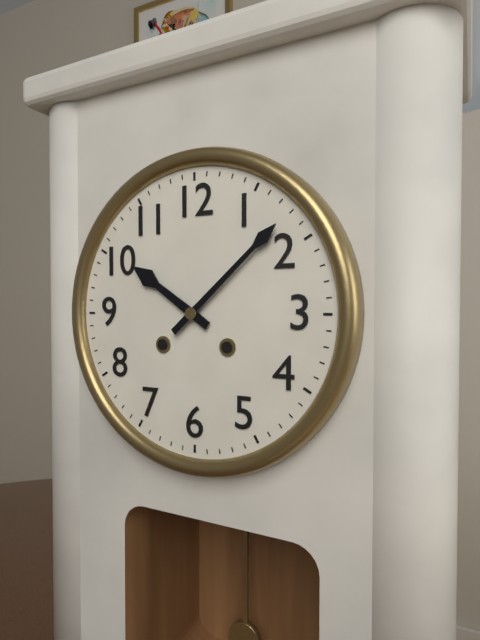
10:08
